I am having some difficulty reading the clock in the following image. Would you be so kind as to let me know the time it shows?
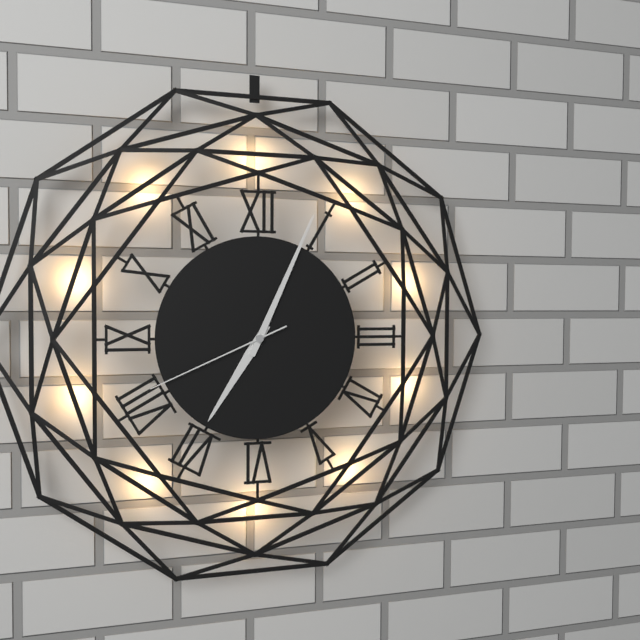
7:04:41
